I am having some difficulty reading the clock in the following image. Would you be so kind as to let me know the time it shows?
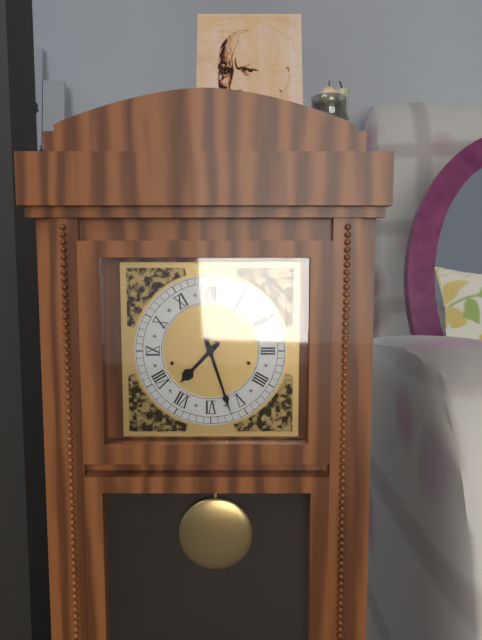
7:27
